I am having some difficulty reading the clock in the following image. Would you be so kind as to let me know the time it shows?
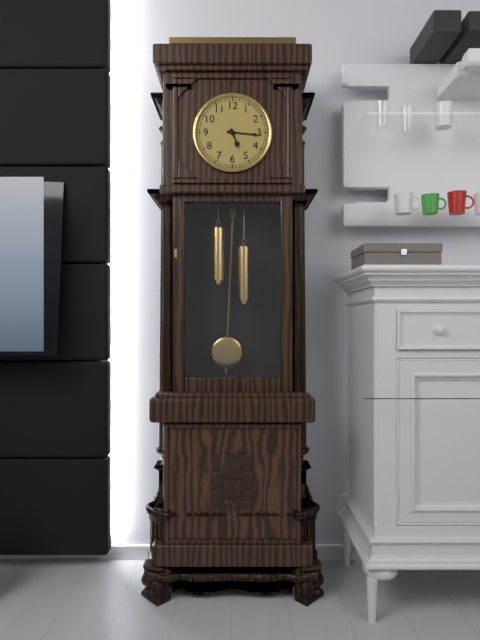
5:16
